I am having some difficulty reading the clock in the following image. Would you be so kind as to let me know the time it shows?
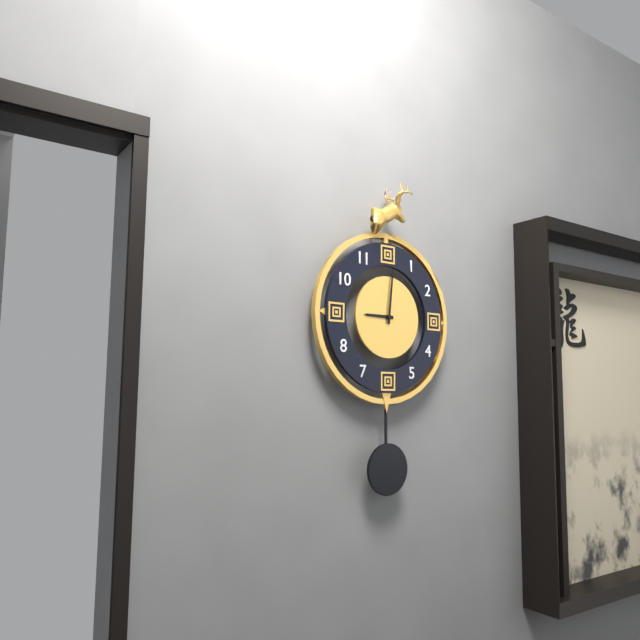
9:01
